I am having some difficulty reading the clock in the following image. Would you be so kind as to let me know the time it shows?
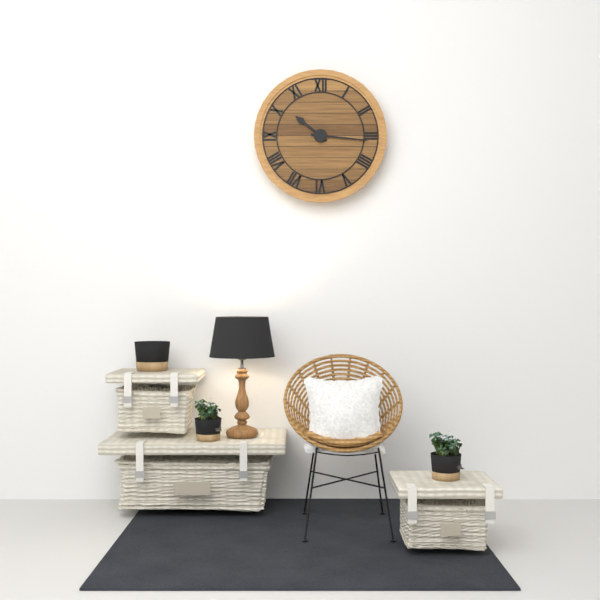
10:16
